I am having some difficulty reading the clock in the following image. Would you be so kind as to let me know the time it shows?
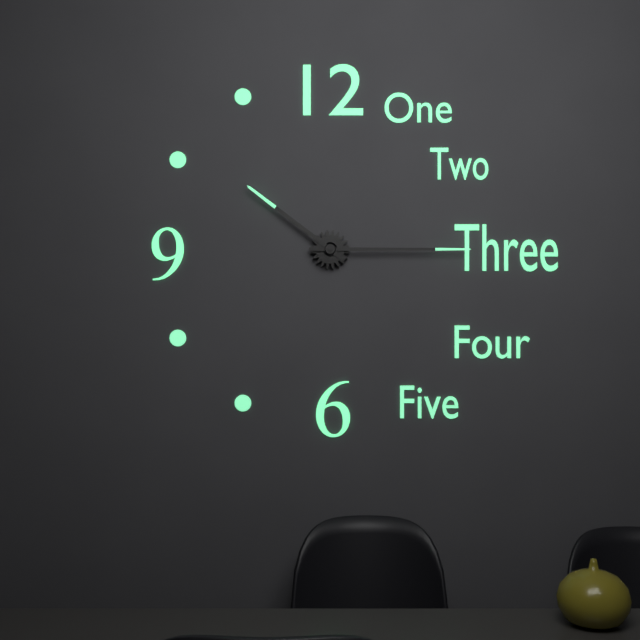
10:15
